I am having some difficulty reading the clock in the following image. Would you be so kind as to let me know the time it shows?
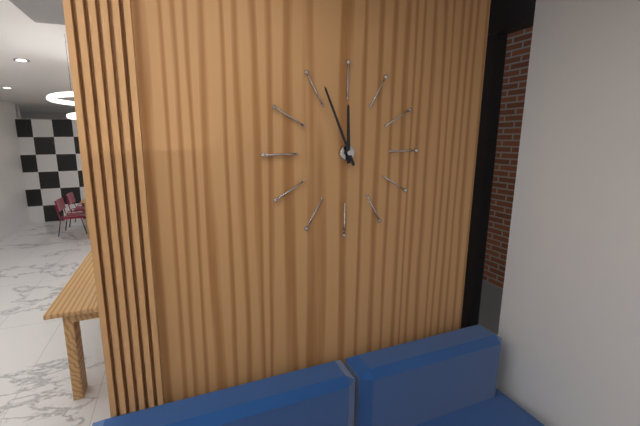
11:56
